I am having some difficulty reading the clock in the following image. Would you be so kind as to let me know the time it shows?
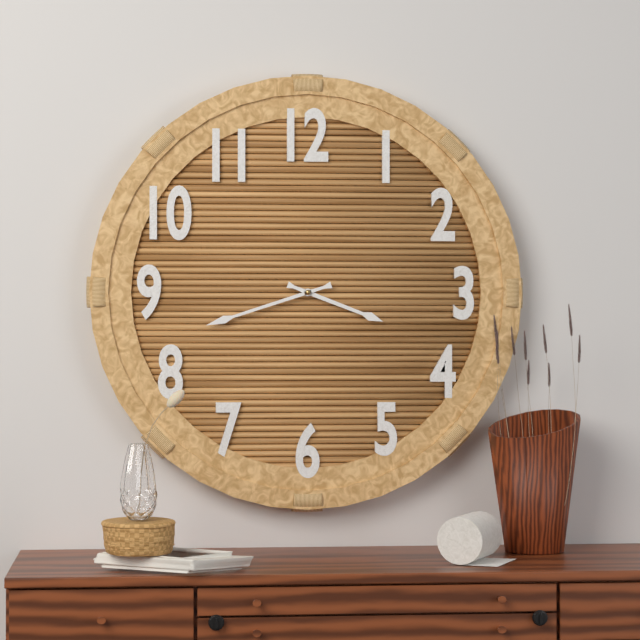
3:42
